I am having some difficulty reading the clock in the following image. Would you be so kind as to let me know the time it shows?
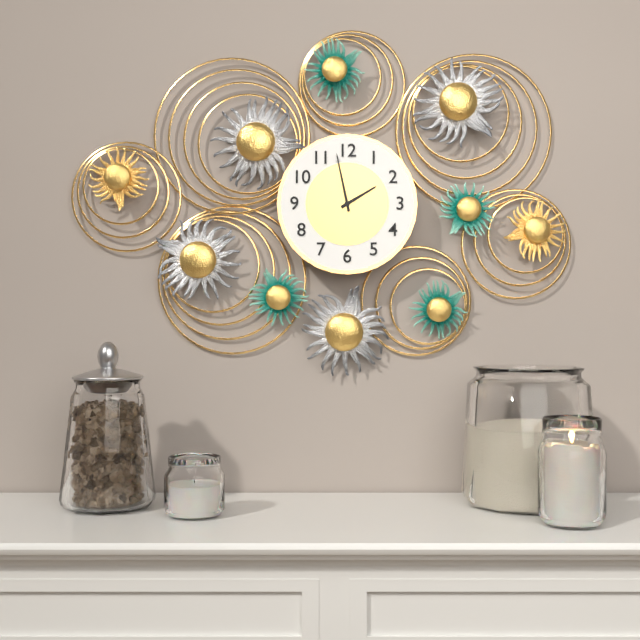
1:58
